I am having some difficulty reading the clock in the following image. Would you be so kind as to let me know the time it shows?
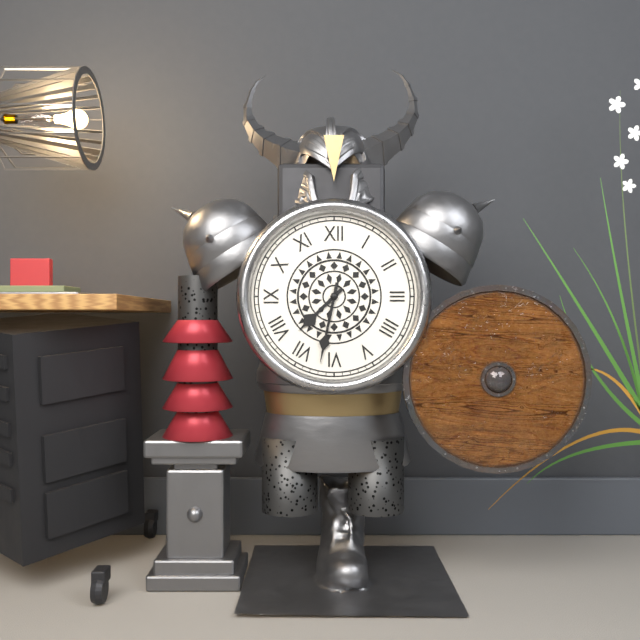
7:32
